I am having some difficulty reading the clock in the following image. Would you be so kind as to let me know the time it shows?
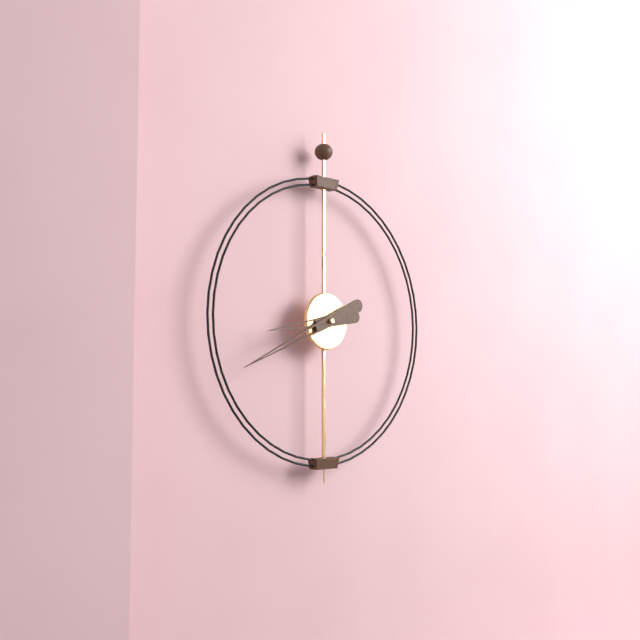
8:41
